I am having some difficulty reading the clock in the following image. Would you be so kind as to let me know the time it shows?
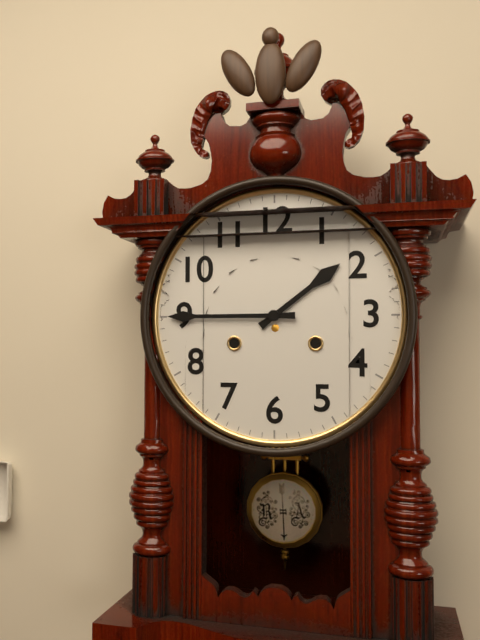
1:45
